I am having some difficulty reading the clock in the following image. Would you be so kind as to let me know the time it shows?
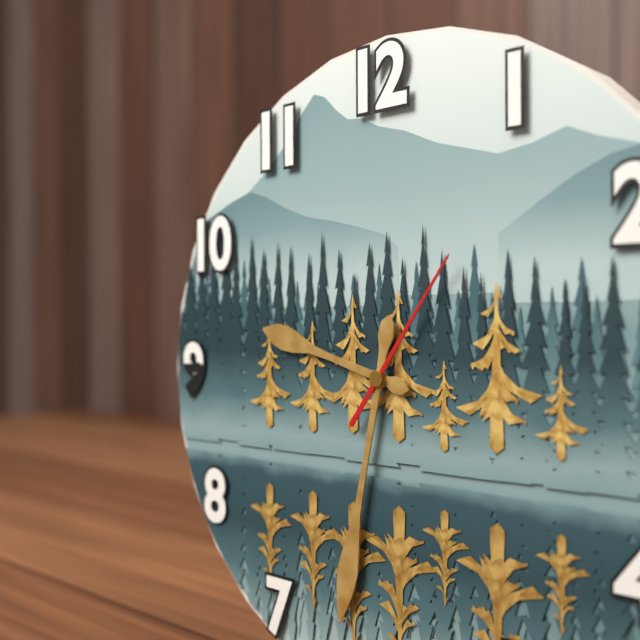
9:32:06
